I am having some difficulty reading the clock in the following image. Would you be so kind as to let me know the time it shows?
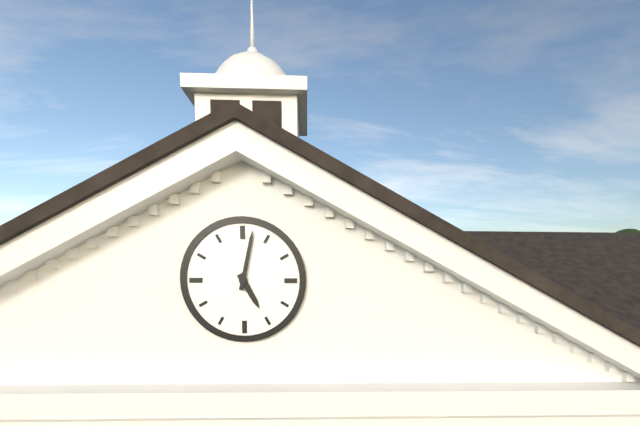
5:02
